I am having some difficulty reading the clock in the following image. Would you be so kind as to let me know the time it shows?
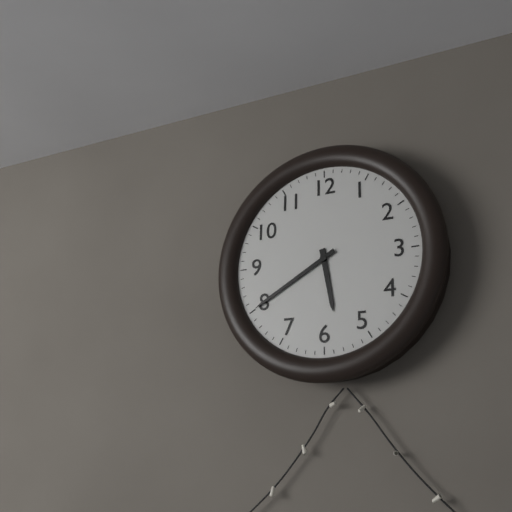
5:40
